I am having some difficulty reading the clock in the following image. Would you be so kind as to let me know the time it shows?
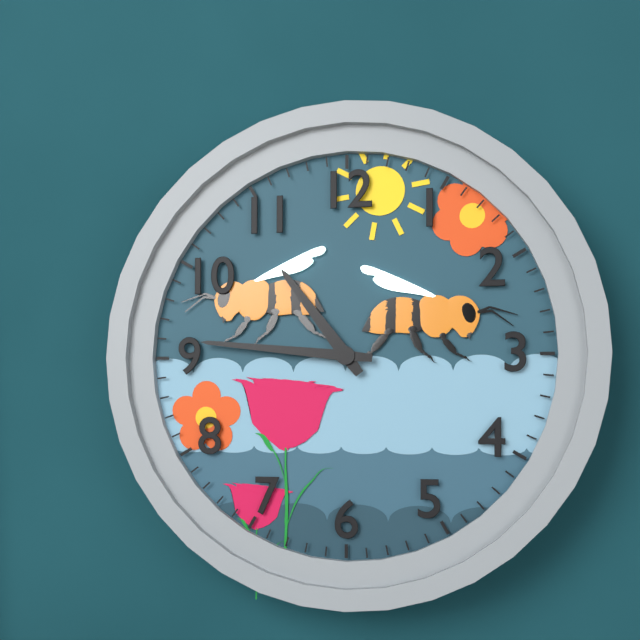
10:46
